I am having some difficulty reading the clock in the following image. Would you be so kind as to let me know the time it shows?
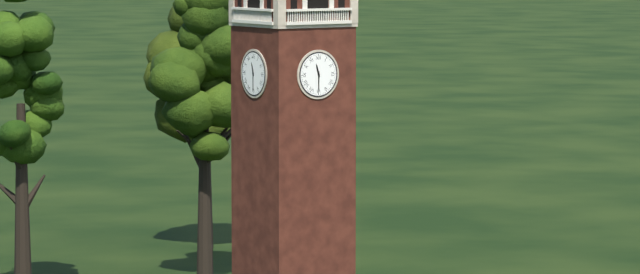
11:30
